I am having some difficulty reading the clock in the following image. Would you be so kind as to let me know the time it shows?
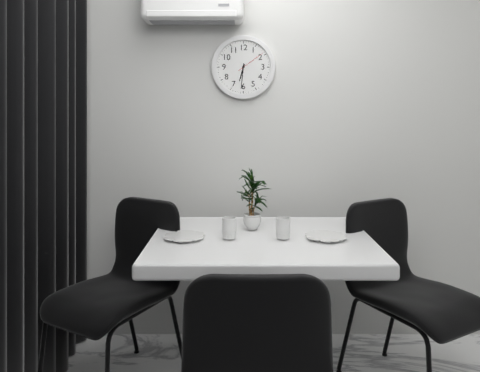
6:31
